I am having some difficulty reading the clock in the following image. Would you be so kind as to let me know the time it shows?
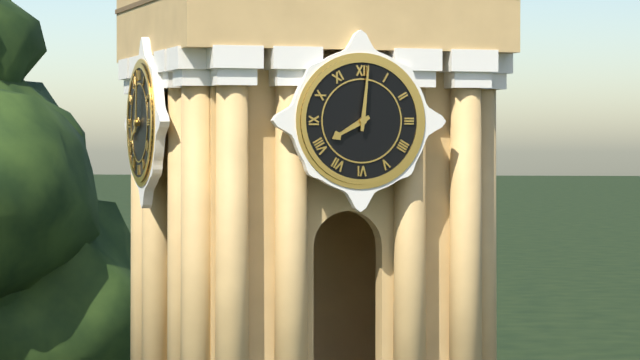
8:01
